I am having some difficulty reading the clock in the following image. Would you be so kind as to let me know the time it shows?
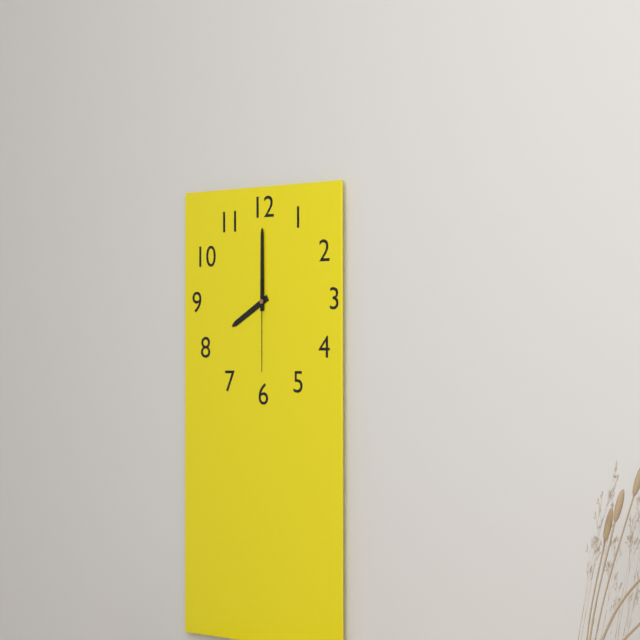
8:00:30
